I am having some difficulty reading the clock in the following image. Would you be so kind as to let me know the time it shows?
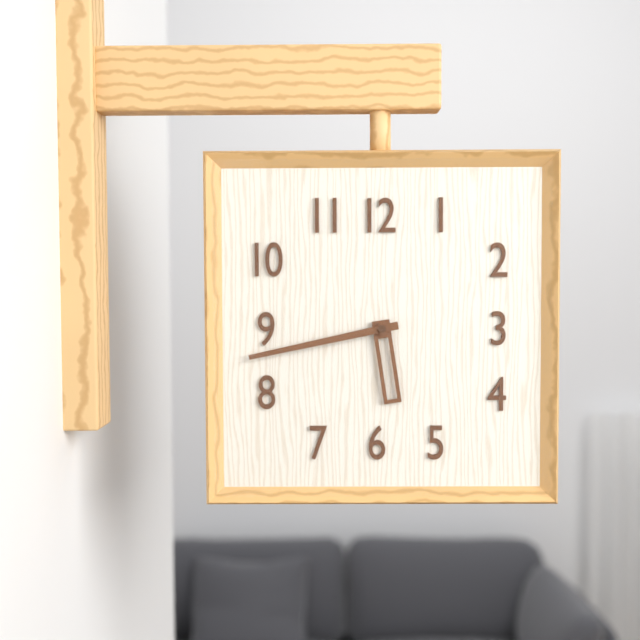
5:43
